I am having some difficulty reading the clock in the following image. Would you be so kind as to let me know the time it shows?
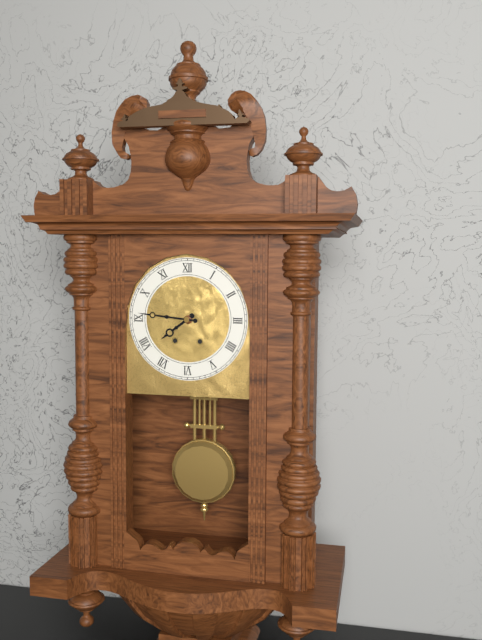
7:46
